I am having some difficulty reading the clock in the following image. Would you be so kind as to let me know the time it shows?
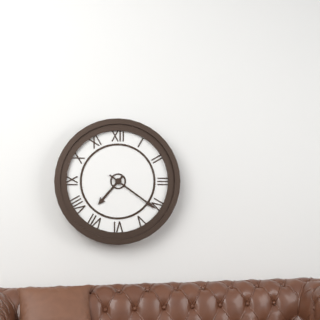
7:21
